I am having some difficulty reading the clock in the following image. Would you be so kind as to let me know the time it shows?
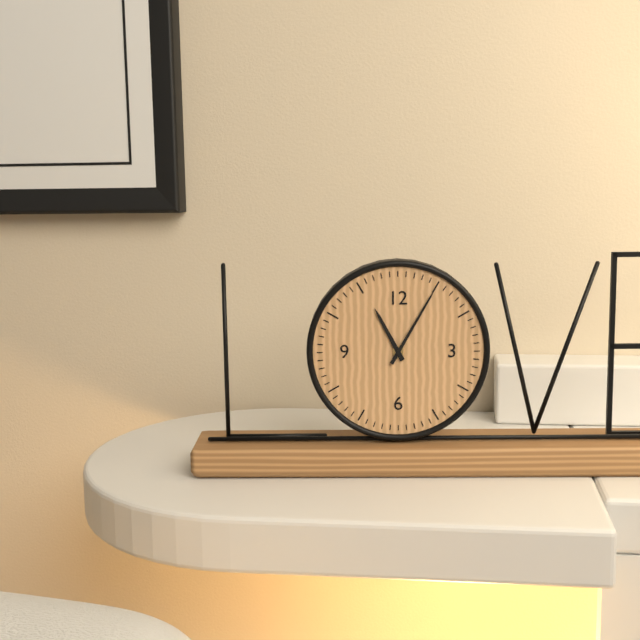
11:05
